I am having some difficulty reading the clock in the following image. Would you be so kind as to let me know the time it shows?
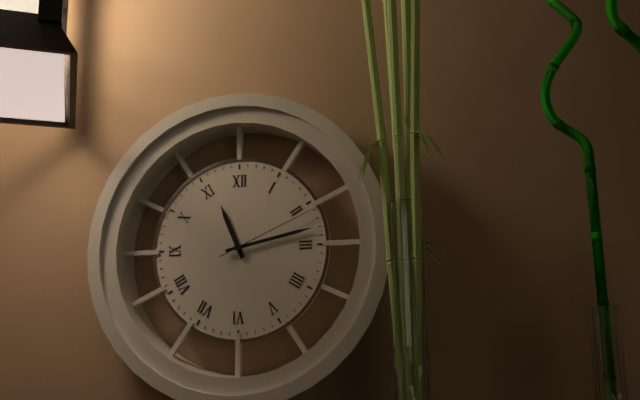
11:13:11
